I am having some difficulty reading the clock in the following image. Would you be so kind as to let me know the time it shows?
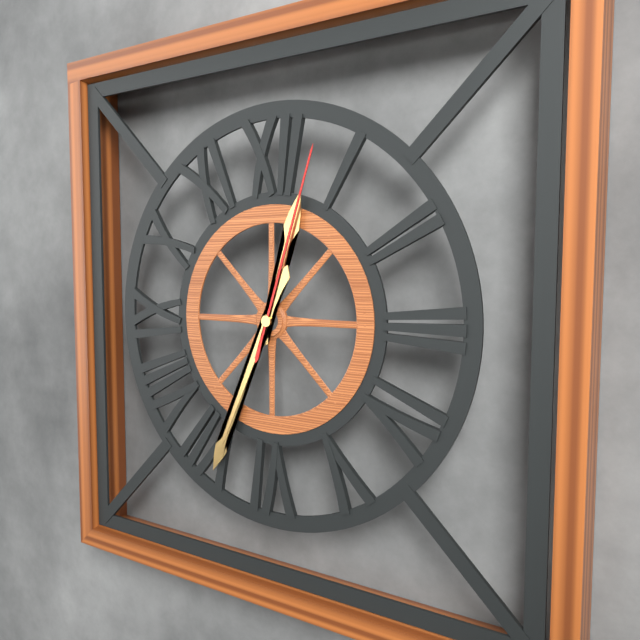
12:34:03
